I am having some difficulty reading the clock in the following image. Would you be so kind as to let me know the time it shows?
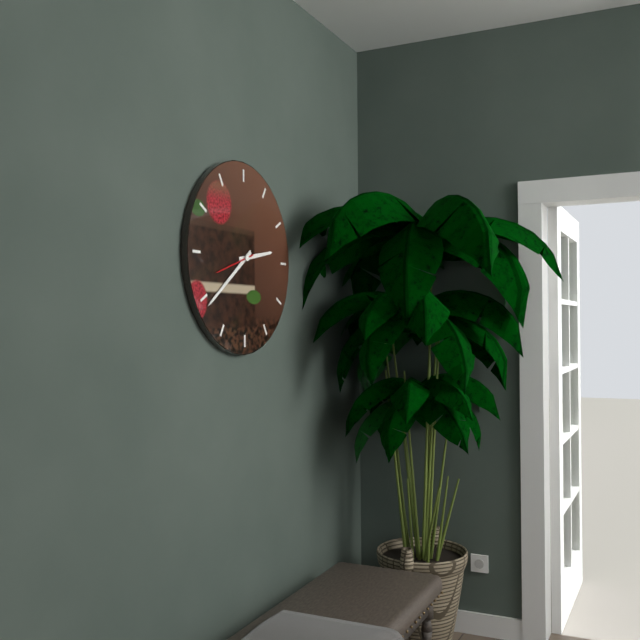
2:39
